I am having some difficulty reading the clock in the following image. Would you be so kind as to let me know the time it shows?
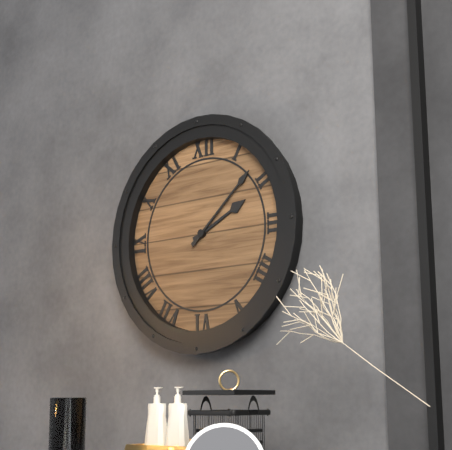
2:08
